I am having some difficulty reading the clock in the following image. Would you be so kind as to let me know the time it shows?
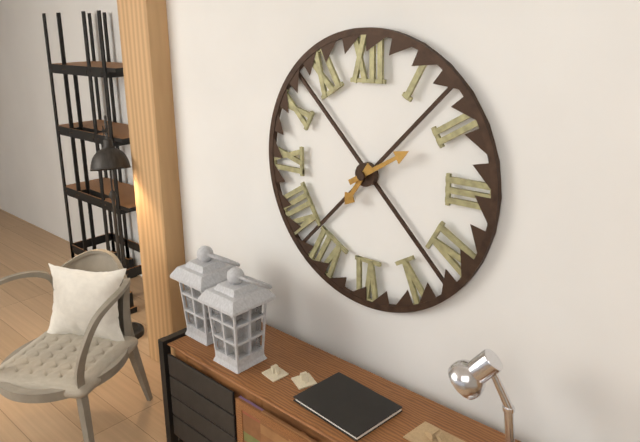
7:10
